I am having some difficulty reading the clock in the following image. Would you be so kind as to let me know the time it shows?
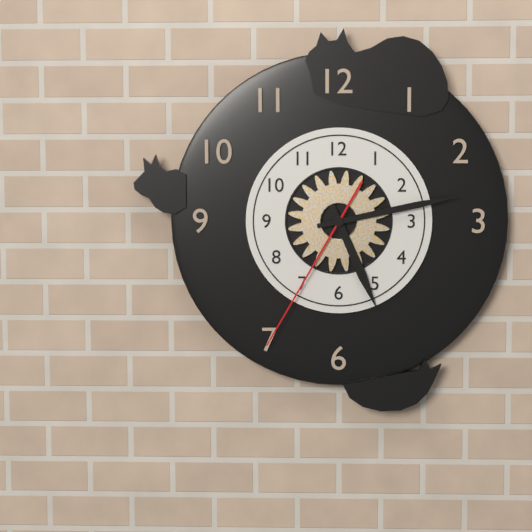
5:13:35
